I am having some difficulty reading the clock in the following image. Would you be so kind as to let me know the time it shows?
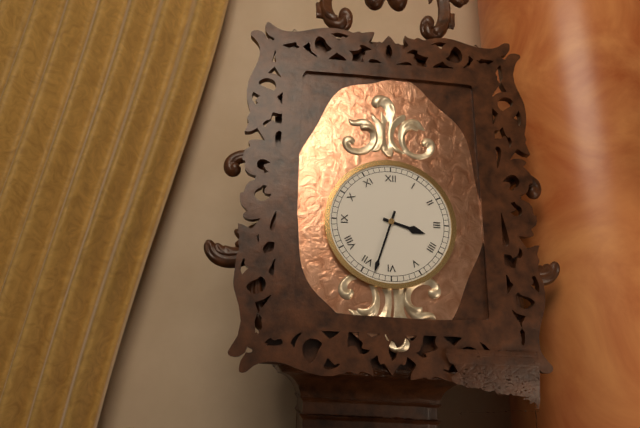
3:33
